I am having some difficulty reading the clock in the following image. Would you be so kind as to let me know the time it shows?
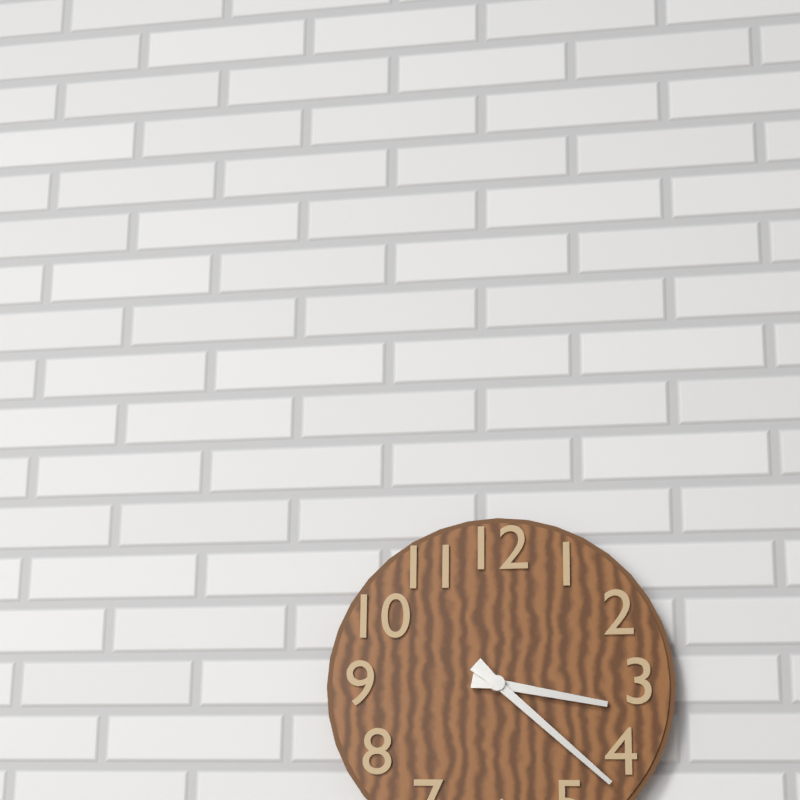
3:22
